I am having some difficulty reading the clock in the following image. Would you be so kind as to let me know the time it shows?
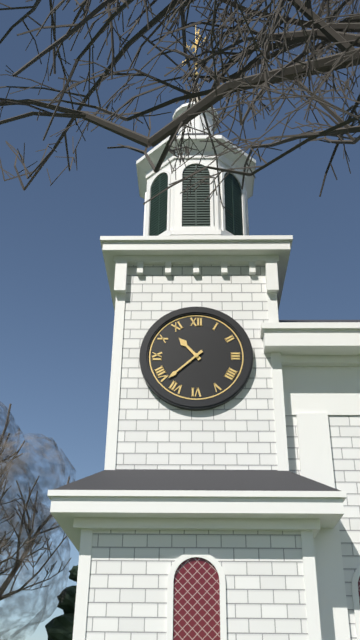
10:38
